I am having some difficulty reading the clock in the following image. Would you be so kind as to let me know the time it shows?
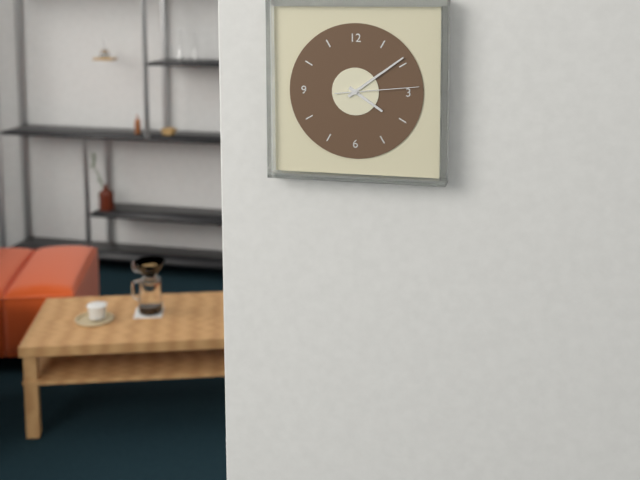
4:09:14
